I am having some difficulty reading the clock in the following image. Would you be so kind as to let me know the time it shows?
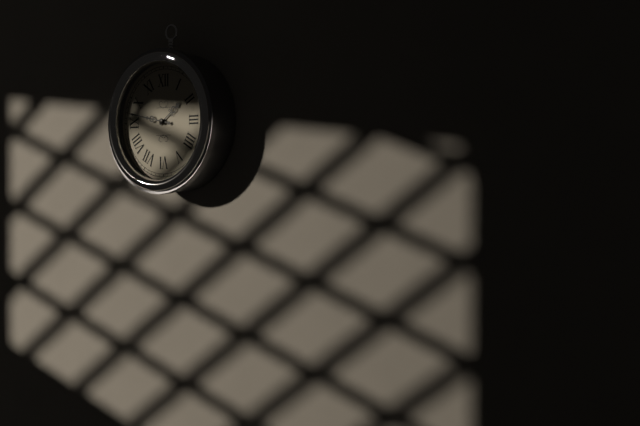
1:47
